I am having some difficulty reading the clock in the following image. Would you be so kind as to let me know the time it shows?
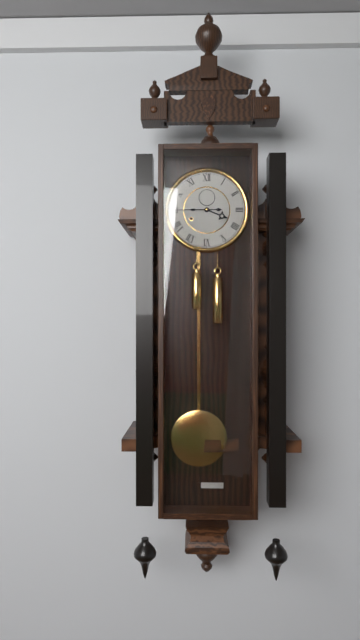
3:45
